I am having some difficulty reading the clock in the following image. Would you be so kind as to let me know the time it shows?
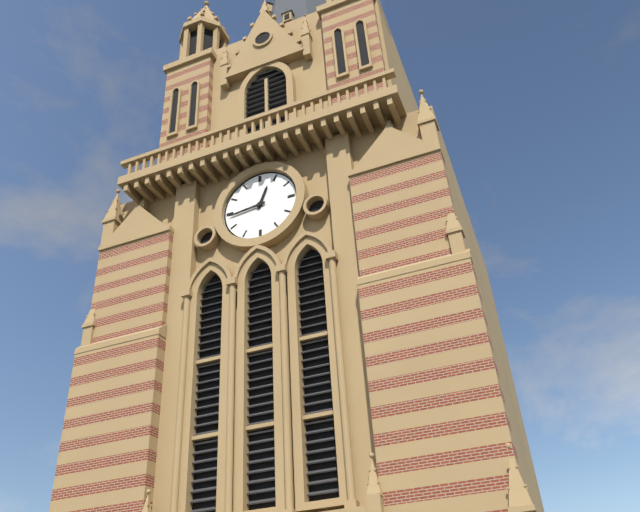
12:44
